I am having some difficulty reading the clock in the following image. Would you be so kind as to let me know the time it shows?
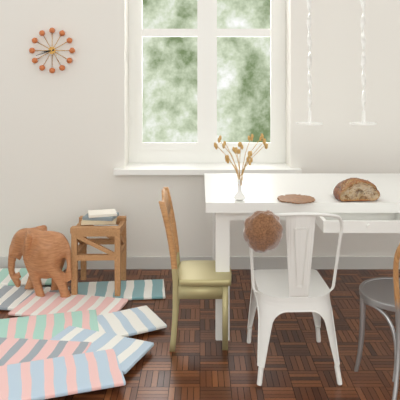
8:42
